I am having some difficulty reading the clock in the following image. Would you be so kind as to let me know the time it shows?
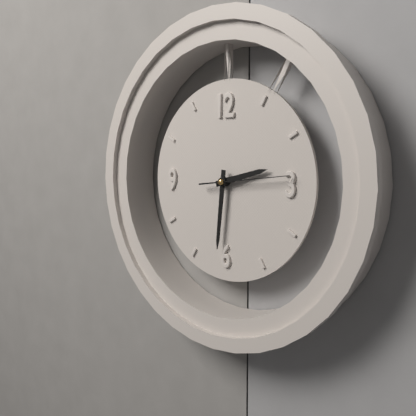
2:31:14
